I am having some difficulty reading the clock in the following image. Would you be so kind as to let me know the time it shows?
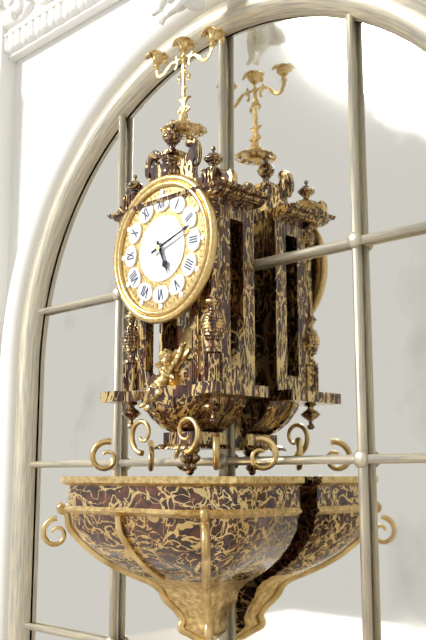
5:12
